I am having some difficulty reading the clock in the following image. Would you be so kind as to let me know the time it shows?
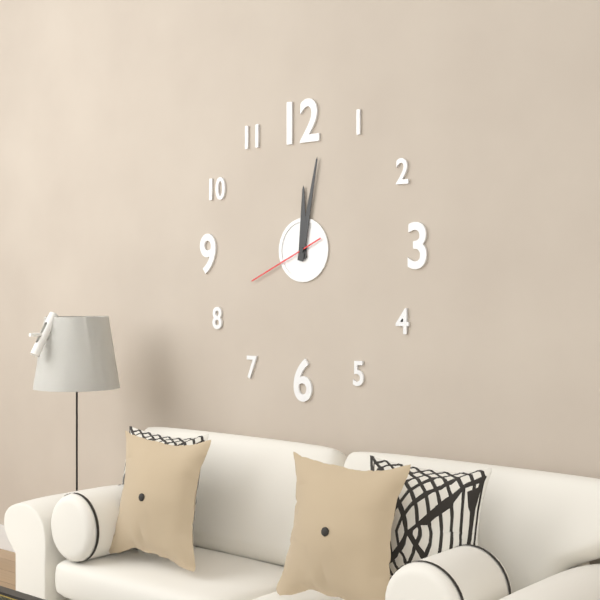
12:02:41
